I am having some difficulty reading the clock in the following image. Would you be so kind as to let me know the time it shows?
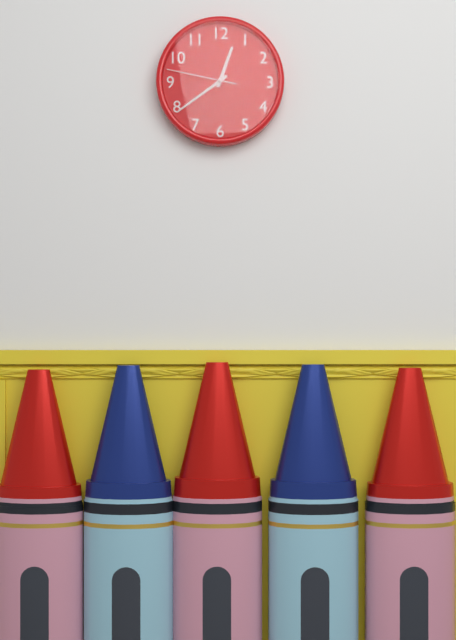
12:39:47
